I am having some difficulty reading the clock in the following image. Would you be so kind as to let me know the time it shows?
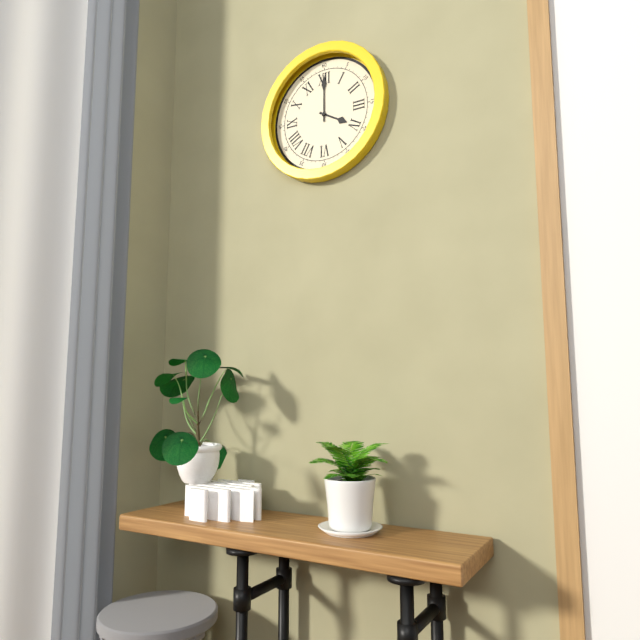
4:00
